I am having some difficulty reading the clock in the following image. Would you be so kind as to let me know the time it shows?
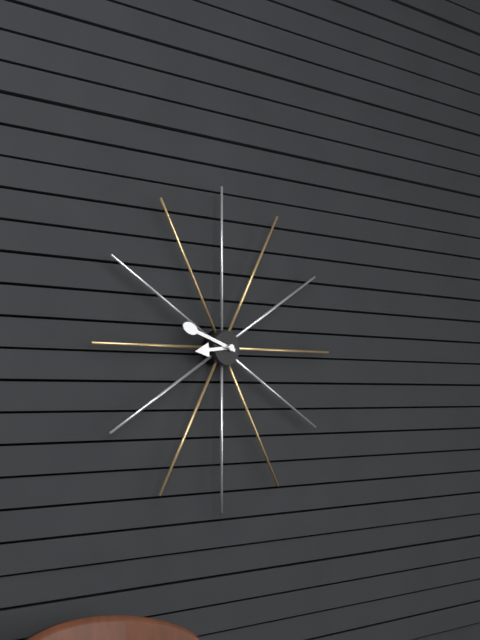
8:48
